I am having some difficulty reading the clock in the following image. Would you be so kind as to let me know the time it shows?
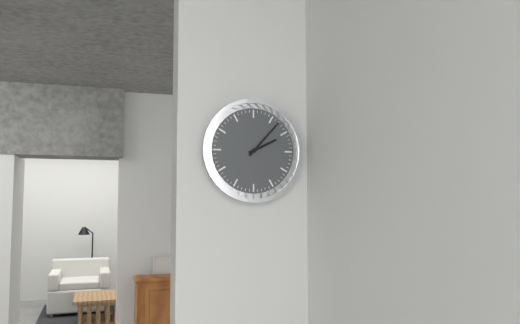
2:07
